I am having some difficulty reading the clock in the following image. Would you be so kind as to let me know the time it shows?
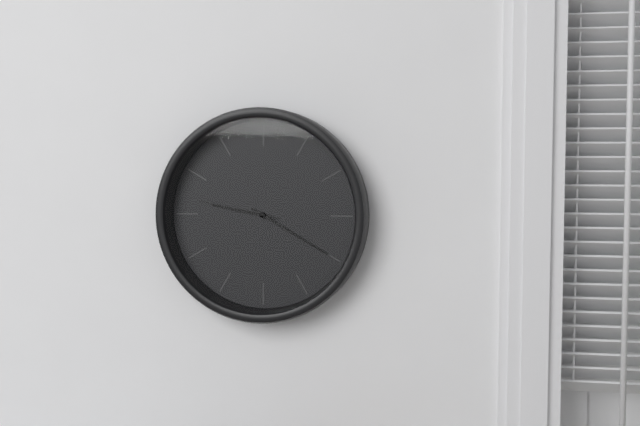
9:20:47
